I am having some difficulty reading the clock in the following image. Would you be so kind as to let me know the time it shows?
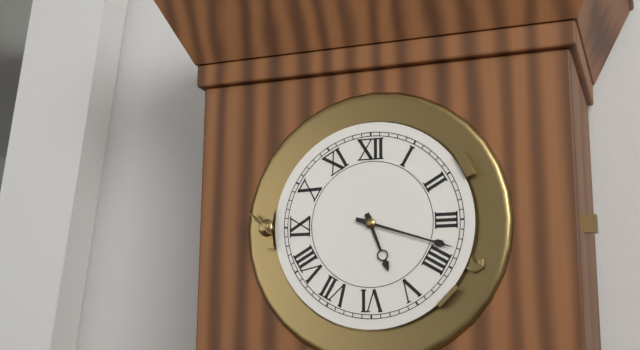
5:18
